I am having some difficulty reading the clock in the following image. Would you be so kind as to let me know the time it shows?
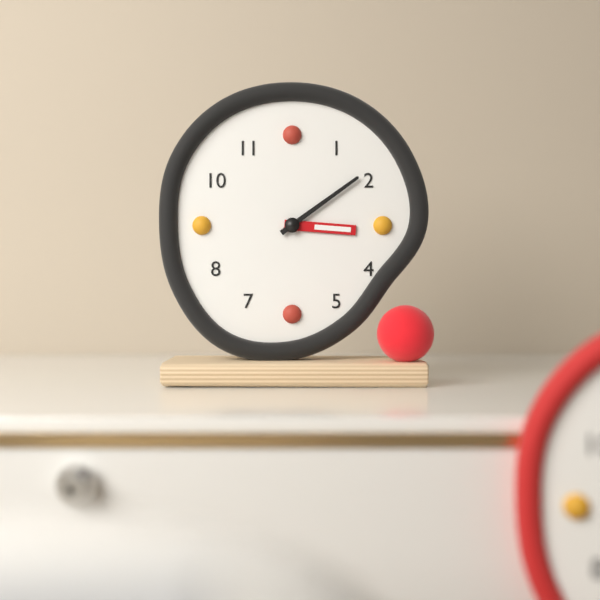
3:09
